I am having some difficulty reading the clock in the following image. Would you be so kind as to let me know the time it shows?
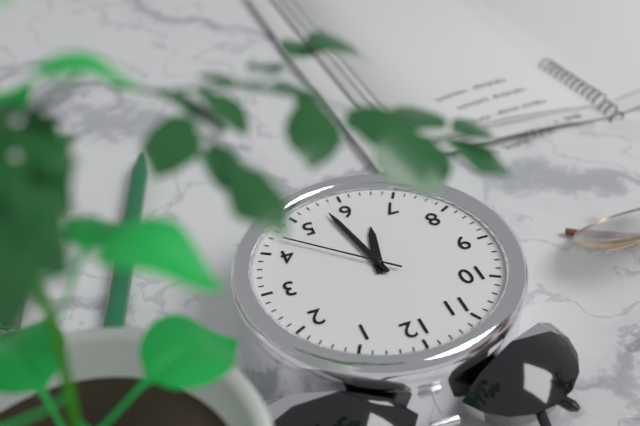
6:28:22
